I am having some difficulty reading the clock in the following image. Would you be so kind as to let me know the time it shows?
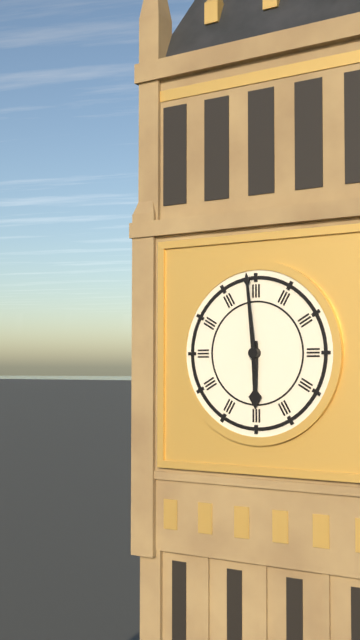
5:59
